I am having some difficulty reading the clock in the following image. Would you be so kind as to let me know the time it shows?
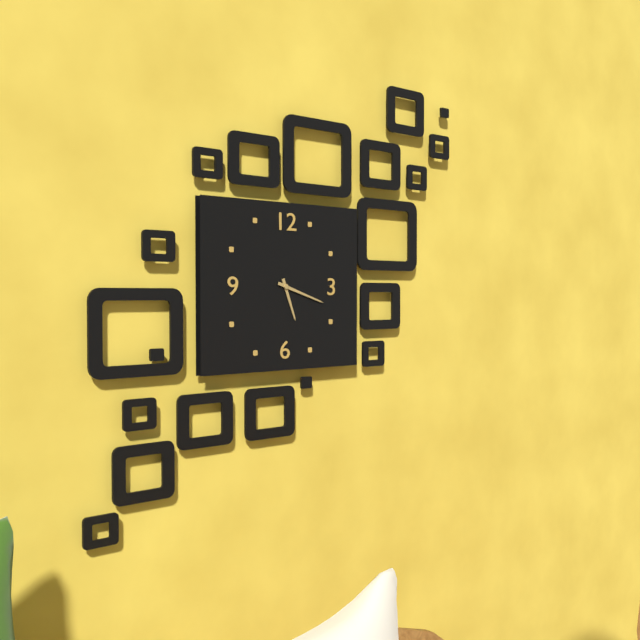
5:18
